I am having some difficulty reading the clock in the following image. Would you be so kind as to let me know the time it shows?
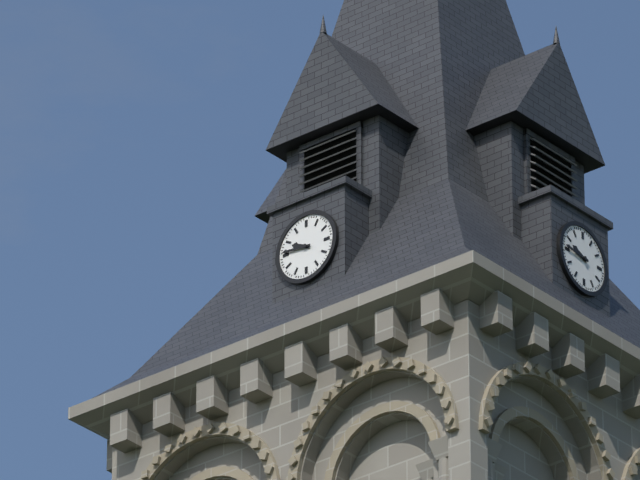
9:46
